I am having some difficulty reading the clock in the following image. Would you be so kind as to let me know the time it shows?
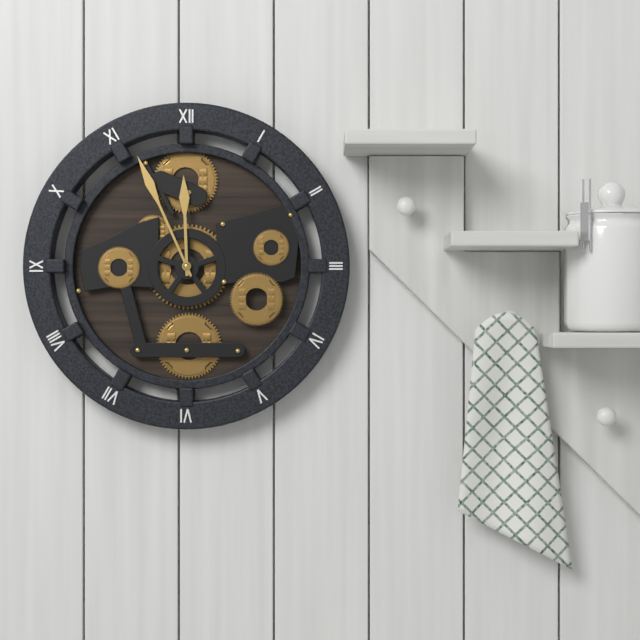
11:56
